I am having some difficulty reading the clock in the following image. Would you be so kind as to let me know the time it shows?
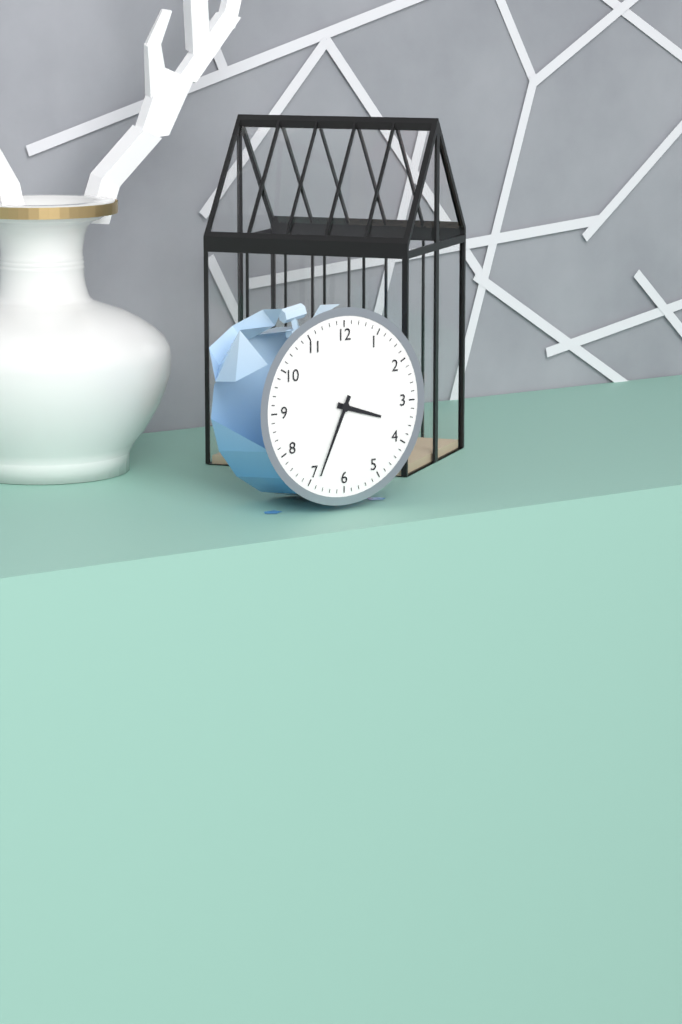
3:34
